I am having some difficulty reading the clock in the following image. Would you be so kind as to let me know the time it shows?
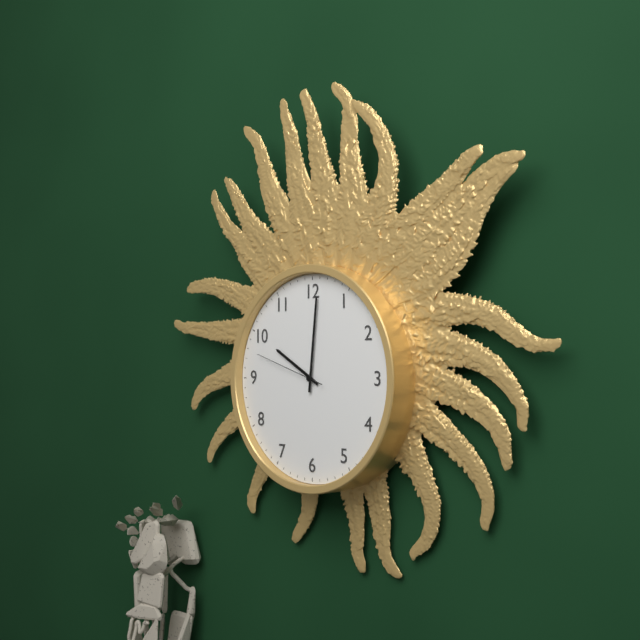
10:01:48
